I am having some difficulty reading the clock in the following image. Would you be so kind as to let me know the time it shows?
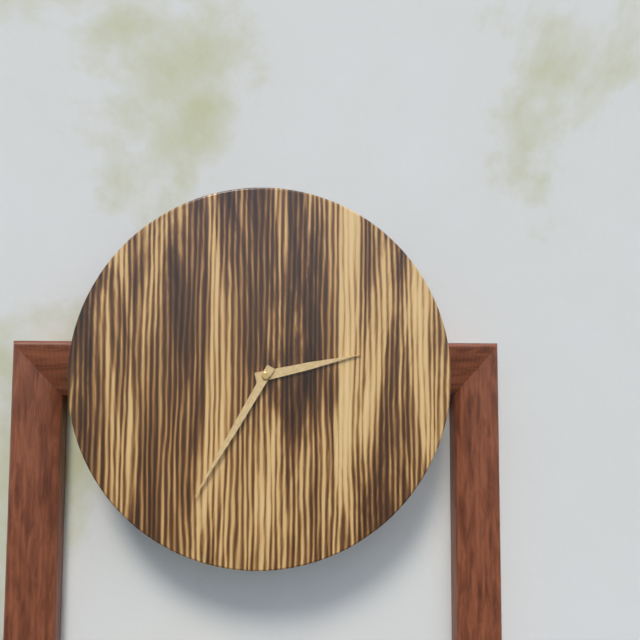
2:35
